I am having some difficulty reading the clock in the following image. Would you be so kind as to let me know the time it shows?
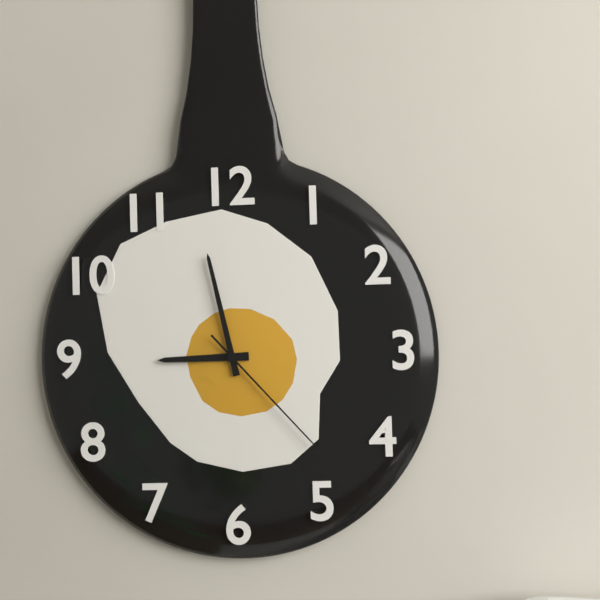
8:58:23
